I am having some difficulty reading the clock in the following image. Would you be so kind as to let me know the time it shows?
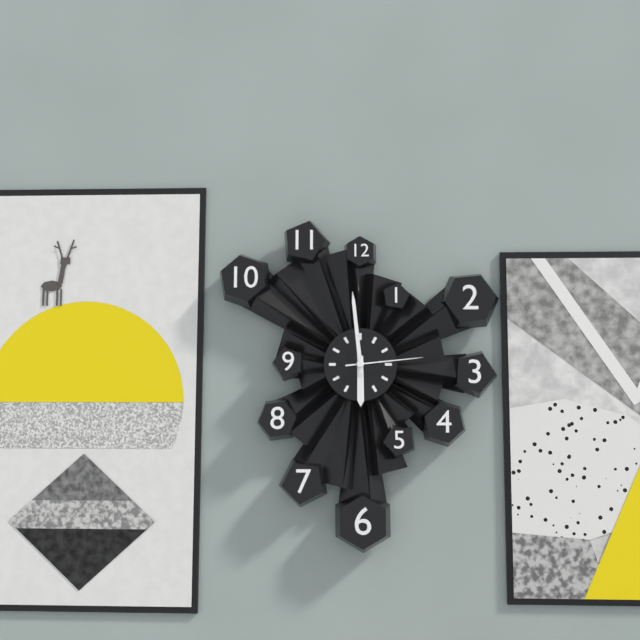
5:59:14
